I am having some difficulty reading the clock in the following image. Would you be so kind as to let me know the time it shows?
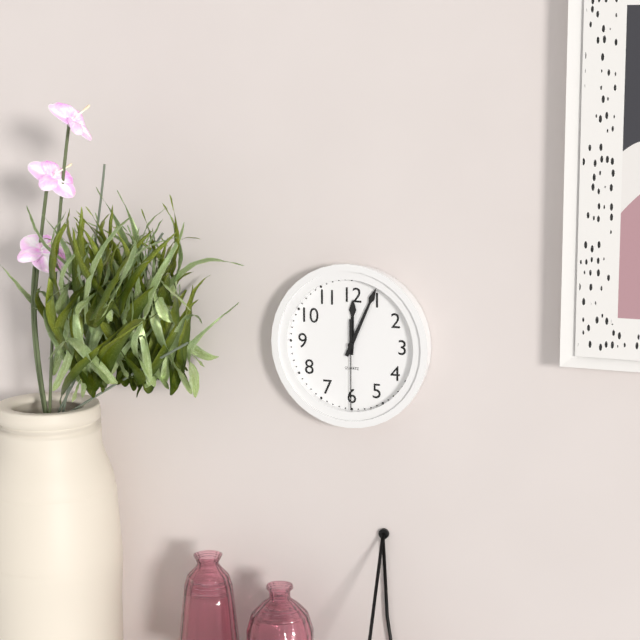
12:04:30
